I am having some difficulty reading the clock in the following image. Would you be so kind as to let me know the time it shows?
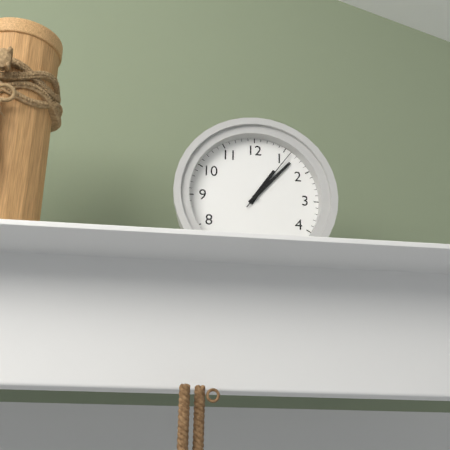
1:07:06
